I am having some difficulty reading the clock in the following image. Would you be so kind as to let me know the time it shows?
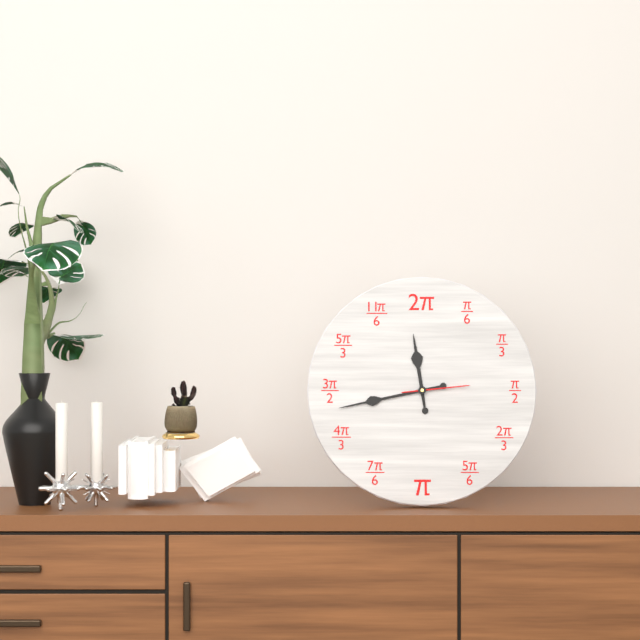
11:43:14
